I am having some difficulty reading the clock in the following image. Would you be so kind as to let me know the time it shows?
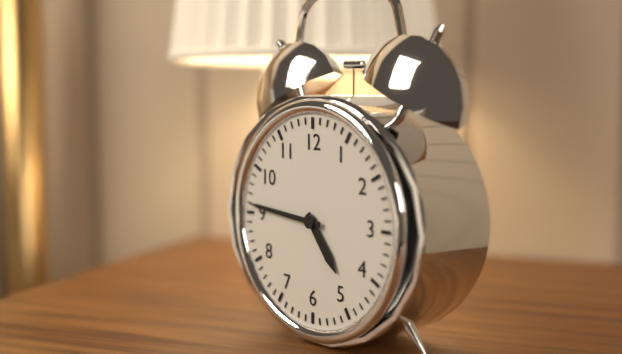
4:46
